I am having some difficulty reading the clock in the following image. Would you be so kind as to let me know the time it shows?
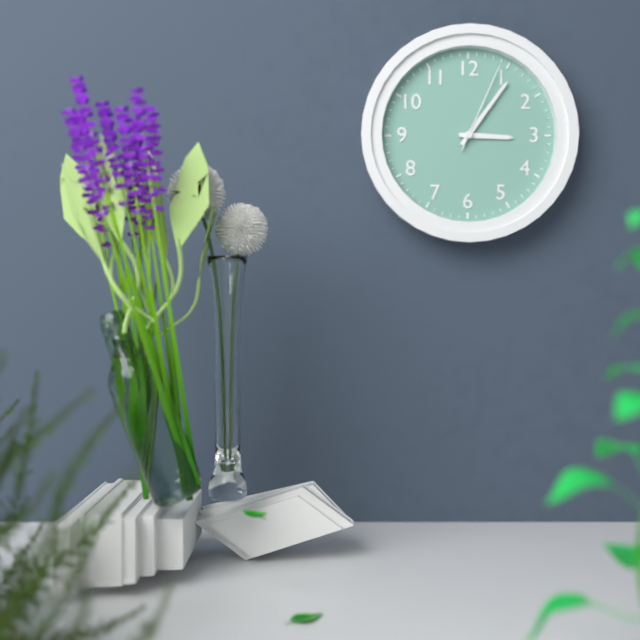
3:06:04
